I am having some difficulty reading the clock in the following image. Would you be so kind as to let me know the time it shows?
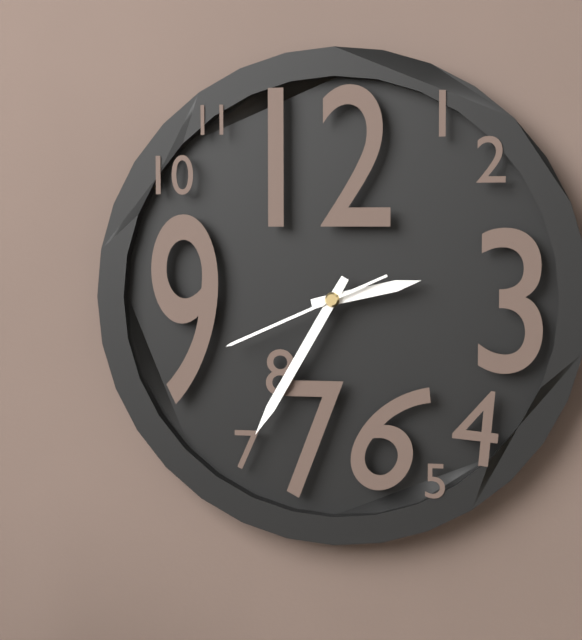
2:35:41
